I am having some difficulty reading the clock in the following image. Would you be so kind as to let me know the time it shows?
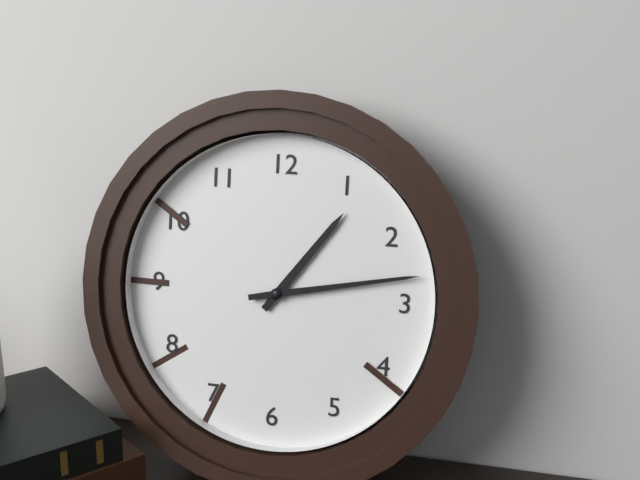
1:13
